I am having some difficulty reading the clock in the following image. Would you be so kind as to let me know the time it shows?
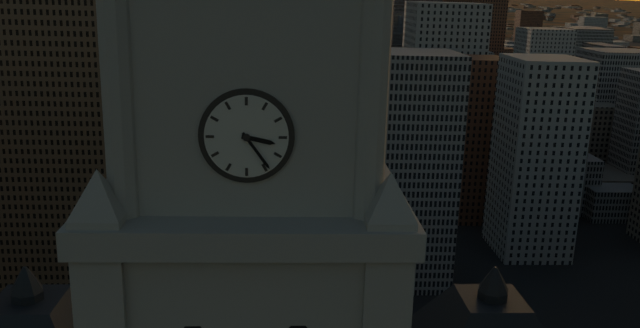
3:24
